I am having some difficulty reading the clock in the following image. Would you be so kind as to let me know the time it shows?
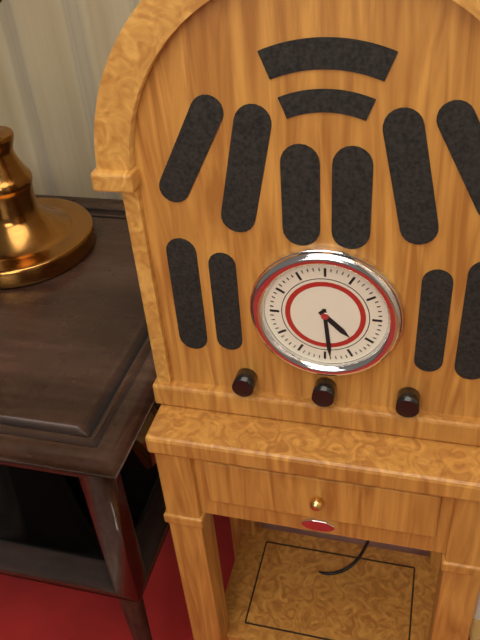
4:29
